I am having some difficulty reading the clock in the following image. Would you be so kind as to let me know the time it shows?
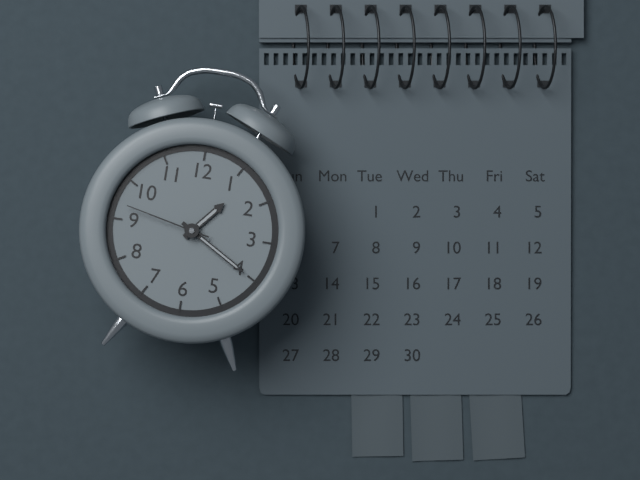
1:20:47
